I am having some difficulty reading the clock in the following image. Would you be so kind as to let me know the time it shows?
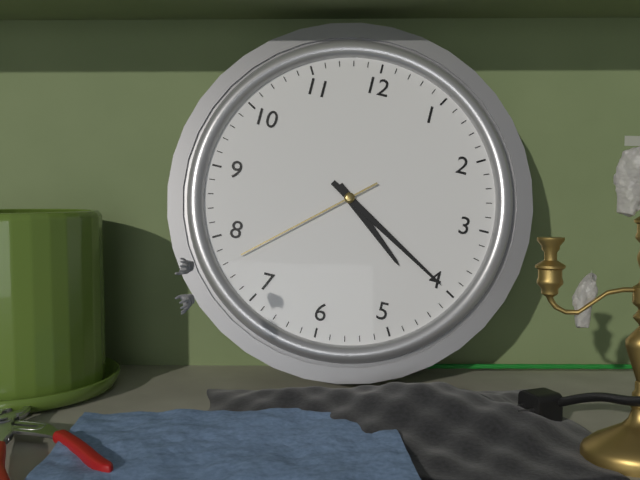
4:20:38
